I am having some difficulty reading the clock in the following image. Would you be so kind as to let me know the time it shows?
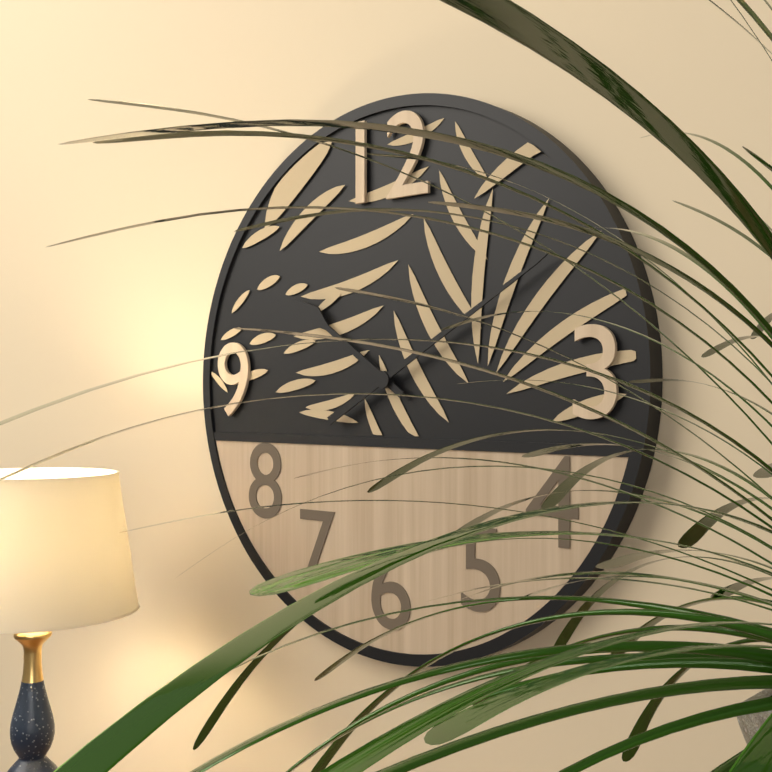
10:10
